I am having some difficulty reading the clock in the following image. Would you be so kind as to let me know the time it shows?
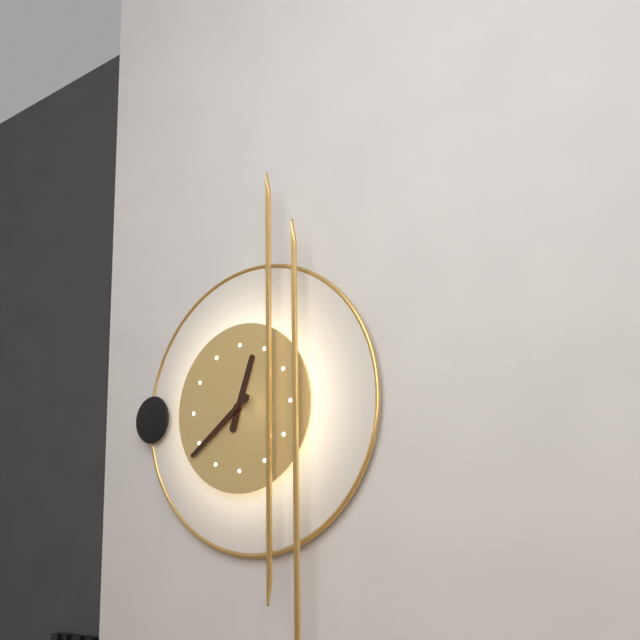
12:39
